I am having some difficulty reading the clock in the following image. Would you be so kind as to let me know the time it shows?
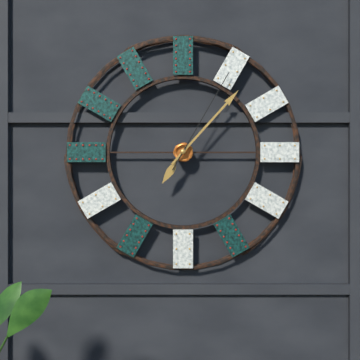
7:07:05
